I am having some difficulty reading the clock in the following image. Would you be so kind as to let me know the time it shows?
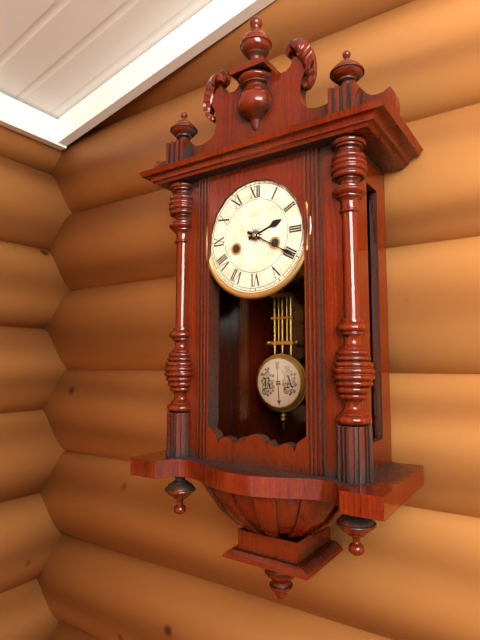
2:20
